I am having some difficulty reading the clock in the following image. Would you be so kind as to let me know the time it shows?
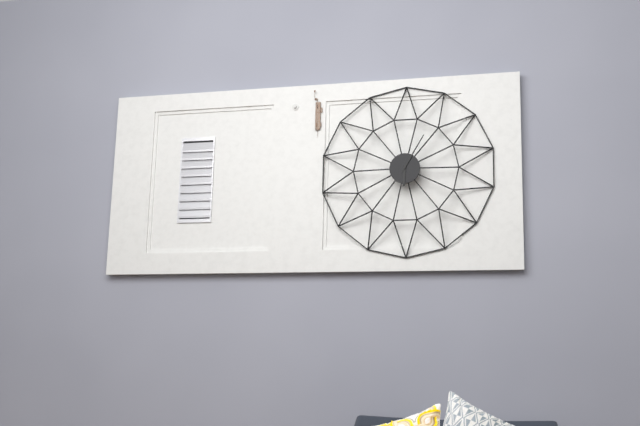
6:05
